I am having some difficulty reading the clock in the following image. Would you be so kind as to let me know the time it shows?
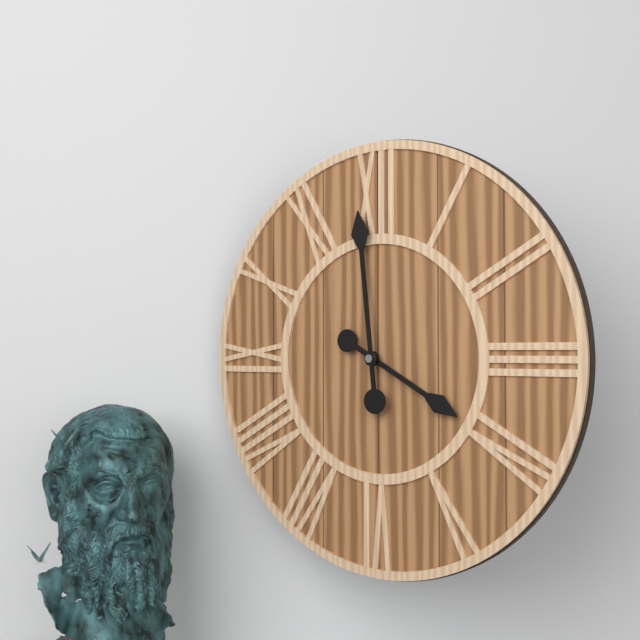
3:59
